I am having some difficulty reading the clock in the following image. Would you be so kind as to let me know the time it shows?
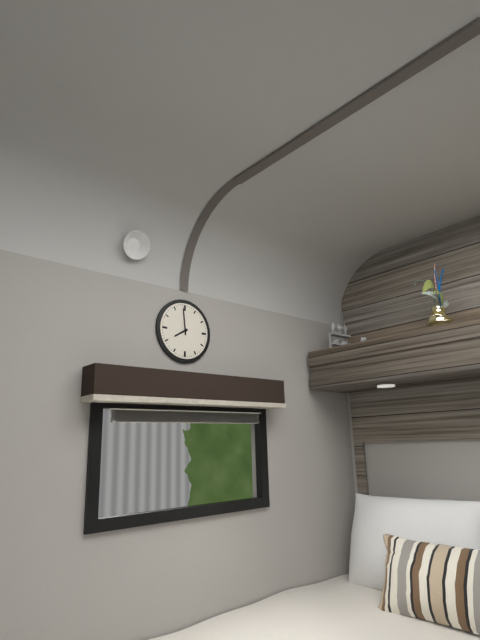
7:59
